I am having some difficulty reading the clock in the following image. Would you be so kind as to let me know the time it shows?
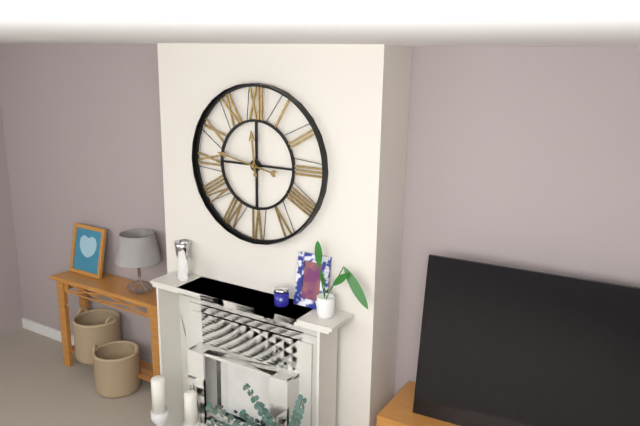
11:47
